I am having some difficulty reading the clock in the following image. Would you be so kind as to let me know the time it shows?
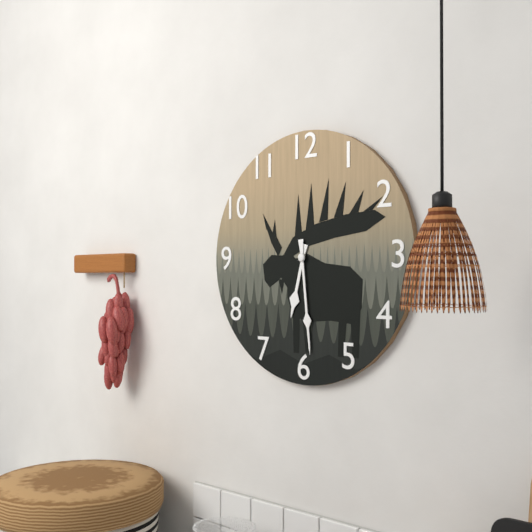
6:29
